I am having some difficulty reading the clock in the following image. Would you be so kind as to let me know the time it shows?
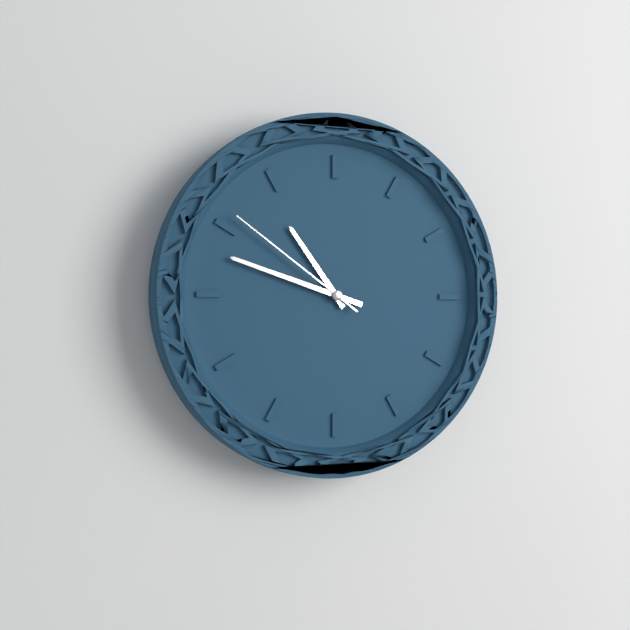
10:48:51
